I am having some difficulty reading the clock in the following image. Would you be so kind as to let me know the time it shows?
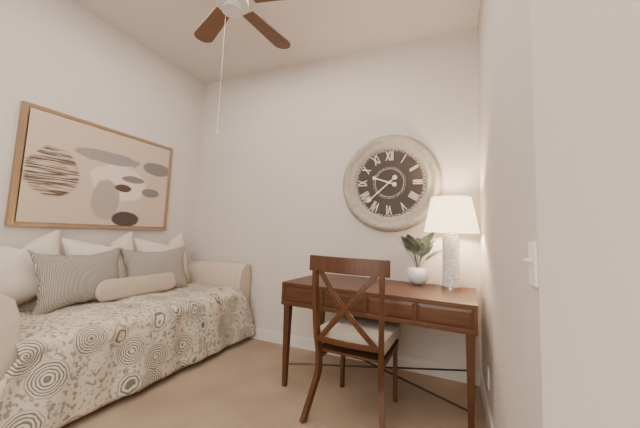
9:38
